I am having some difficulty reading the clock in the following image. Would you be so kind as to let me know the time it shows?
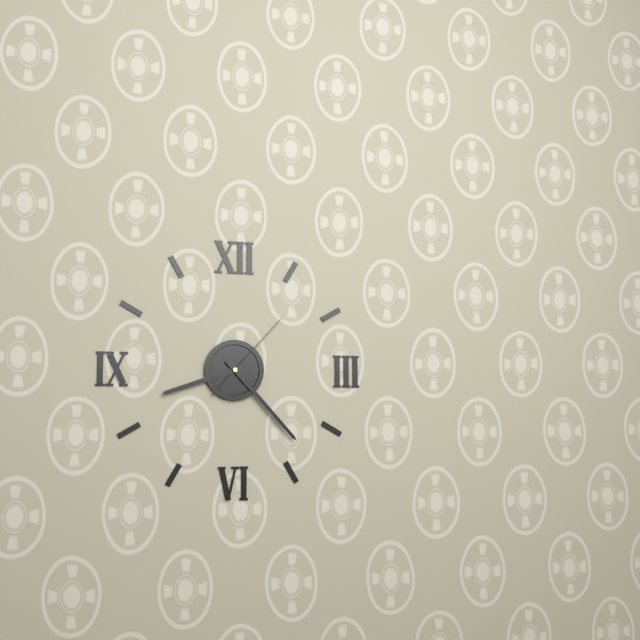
8:23:07
